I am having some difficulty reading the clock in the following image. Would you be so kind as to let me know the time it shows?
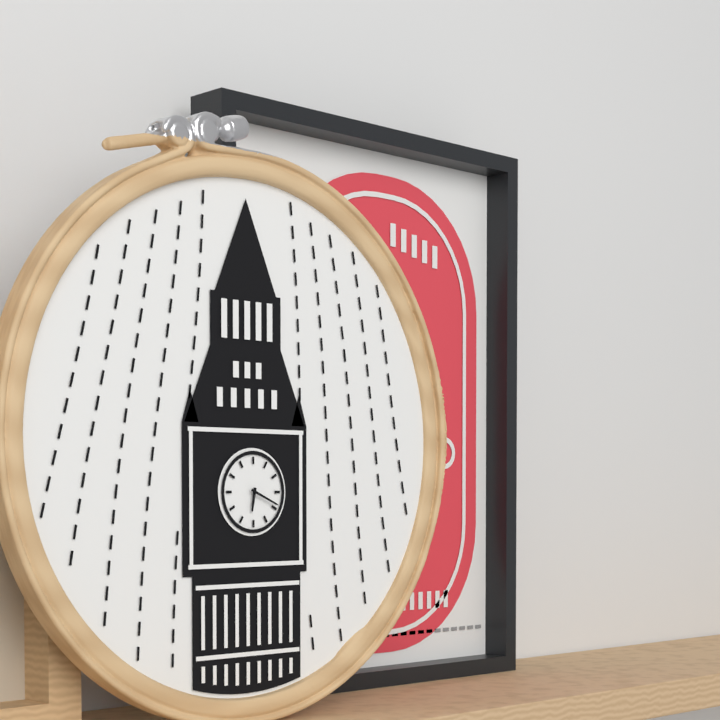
6:19
